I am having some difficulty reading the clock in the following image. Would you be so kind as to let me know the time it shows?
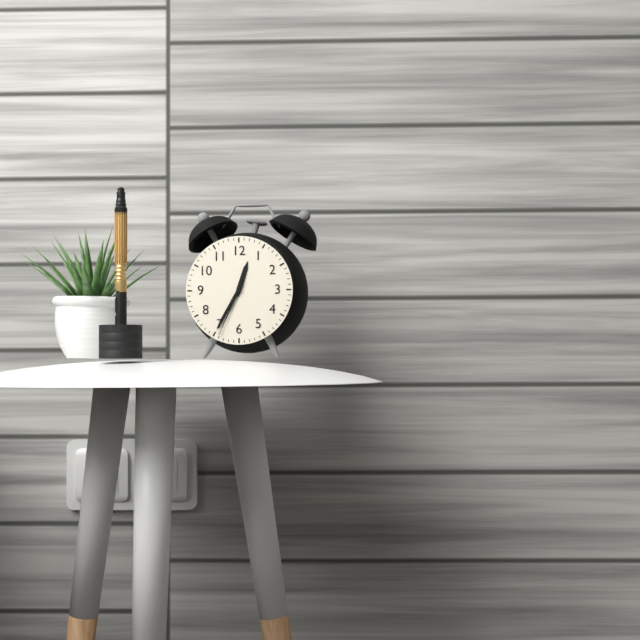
12:35:34
